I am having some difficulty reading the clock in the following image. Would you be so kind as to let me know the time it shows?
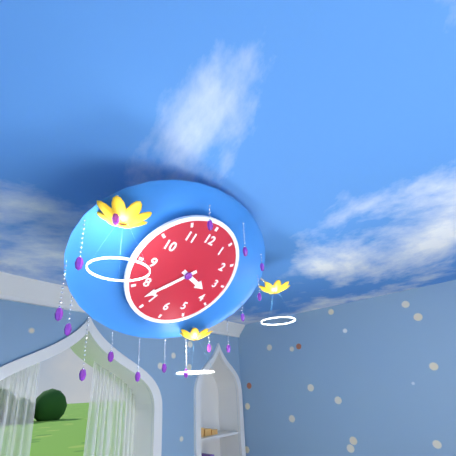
3:37
